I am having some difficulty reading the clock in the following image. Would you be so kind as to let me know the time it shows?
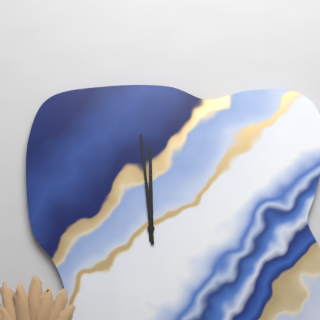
11:59
